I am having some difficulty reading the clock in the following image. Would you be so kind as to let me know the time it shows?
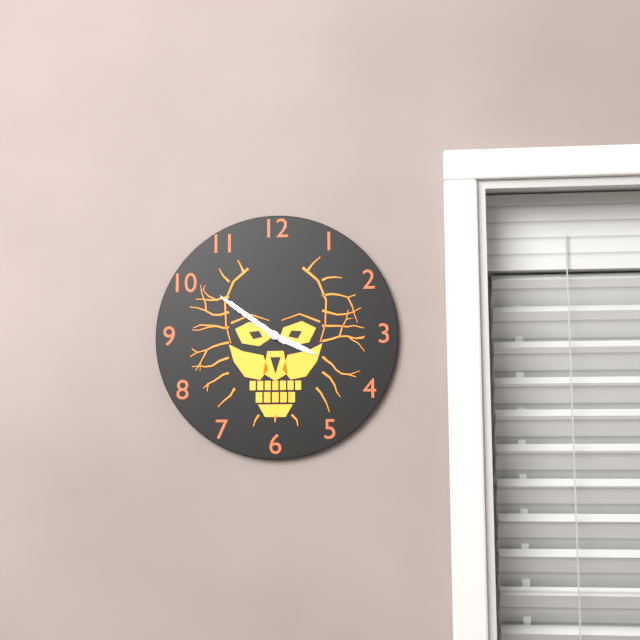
3:51
